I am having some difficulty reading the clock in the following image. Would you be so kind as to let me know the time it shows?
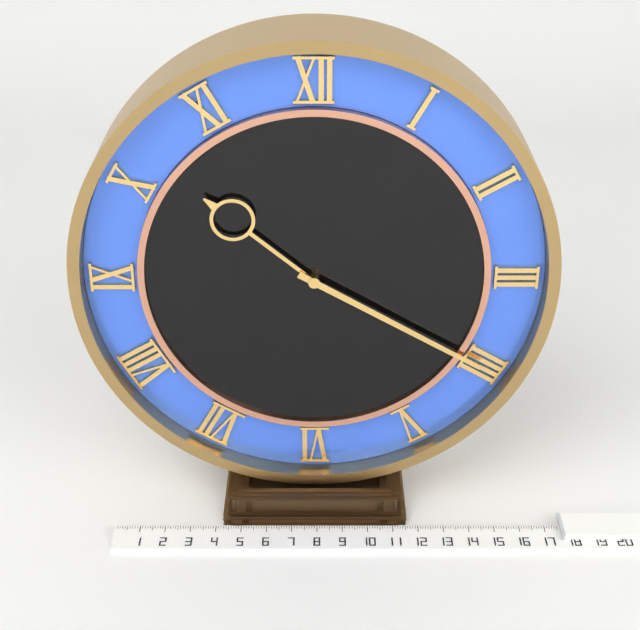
10:20
